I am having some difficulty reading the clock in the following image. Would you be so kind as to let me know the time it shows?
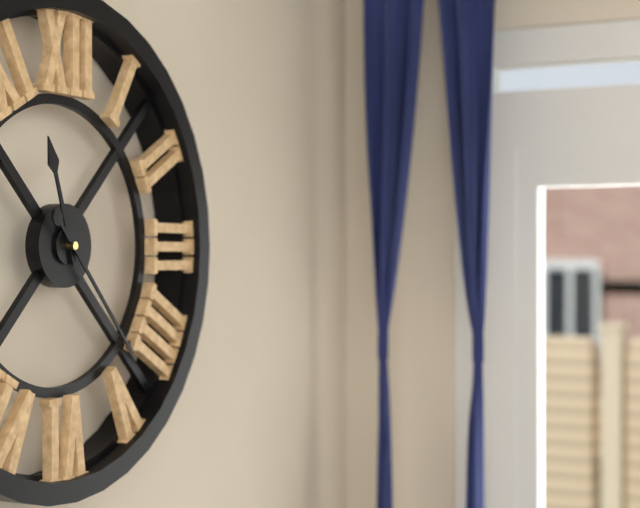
11:23
